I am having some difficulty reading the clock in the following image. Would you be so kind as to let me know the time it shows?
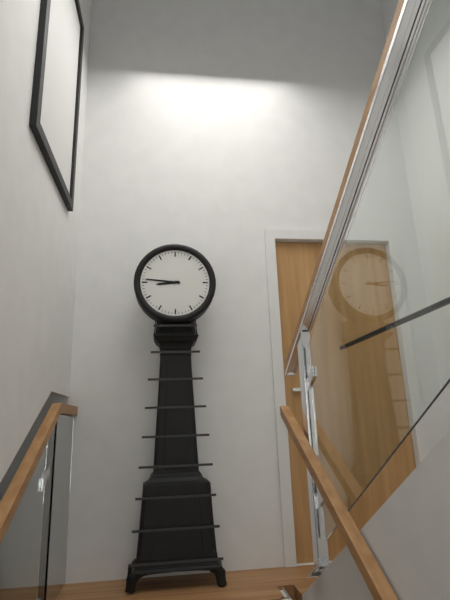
8:46
